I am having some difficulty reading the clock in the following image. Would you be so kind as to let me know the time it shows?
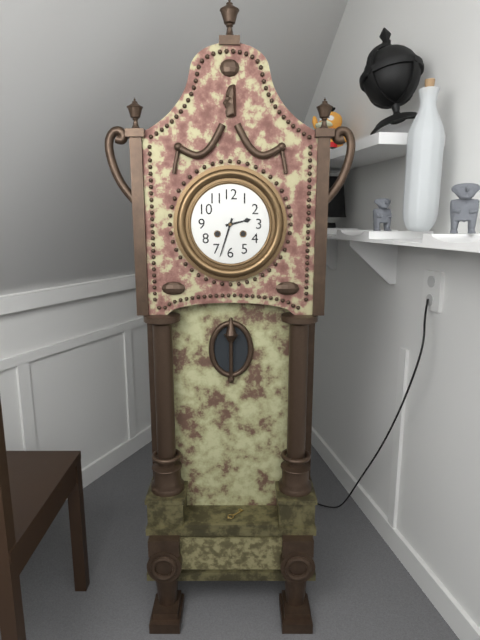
2:33
